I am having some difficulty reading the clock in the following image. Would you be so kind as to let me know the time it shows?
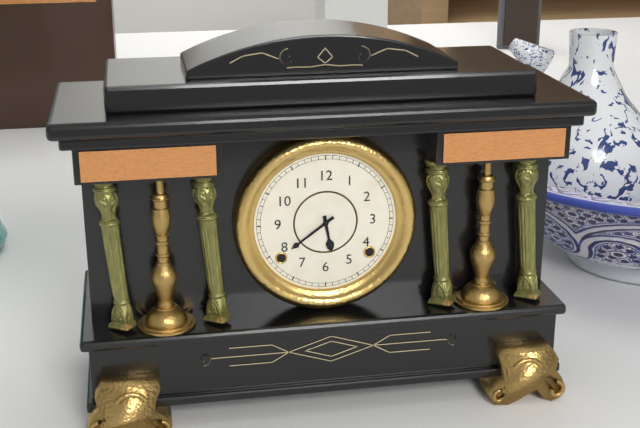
5:39
